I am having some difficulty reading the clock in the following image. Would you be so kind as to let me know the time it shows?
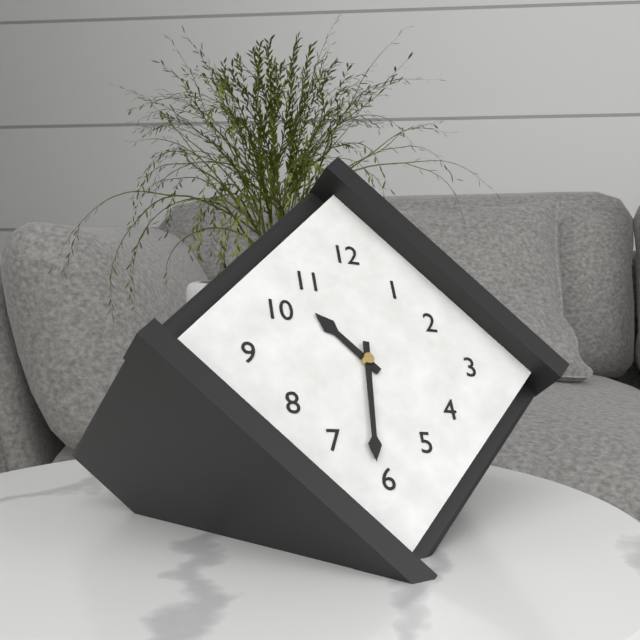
10:31
